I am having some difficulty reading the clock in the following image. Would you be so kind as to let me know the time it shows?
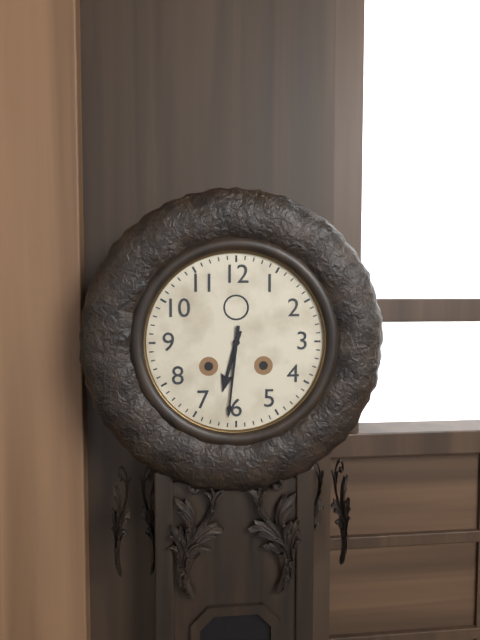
6:31
